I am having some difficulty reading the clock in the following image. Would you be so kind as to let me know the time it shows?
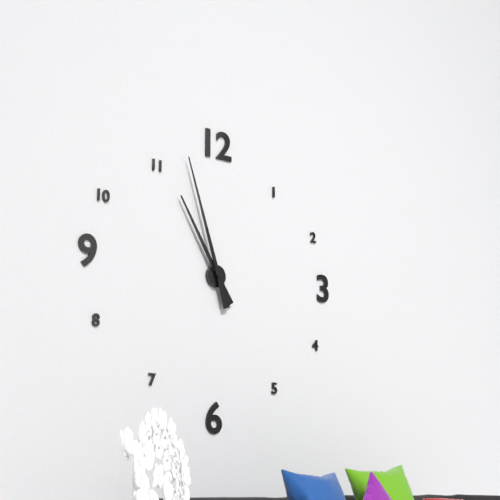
10:57
